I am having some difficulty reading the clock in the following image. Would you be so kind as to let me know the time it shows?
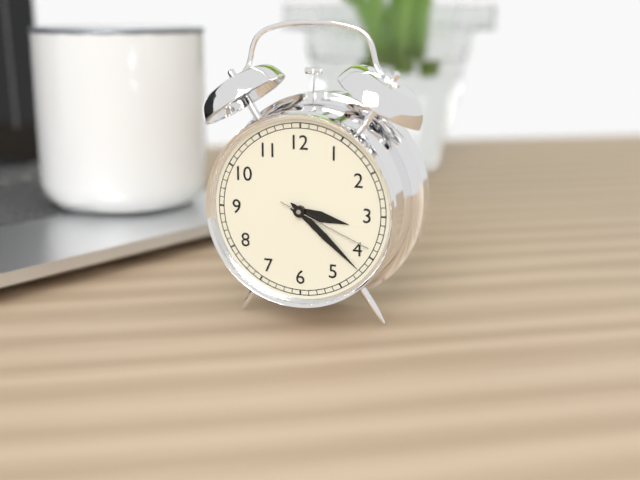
3:22:19
